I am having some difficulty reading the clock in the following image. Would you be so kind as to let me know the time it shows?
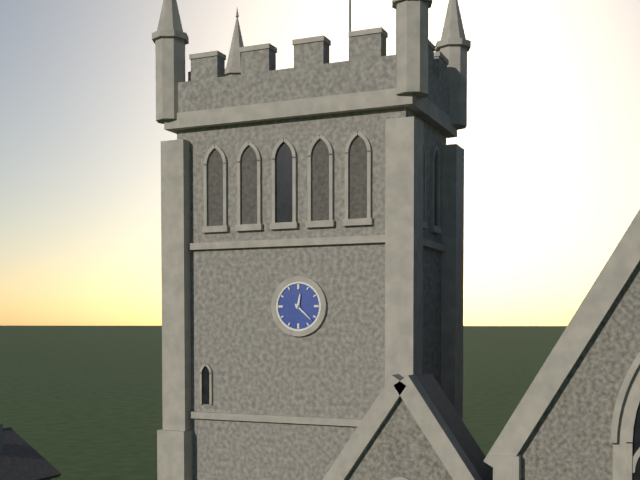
12:22
